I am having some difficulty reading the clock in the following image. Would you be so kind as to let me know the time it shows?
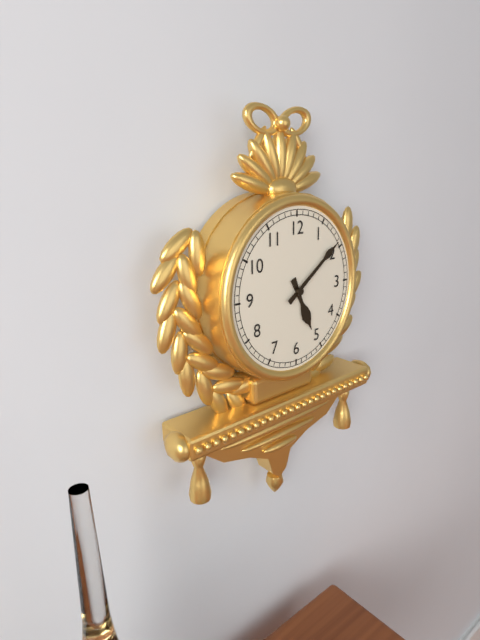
5:09
